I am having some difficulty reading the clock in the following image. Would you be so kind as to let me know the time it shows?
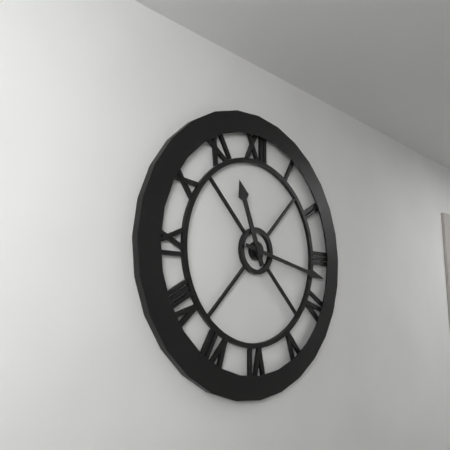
11:17
